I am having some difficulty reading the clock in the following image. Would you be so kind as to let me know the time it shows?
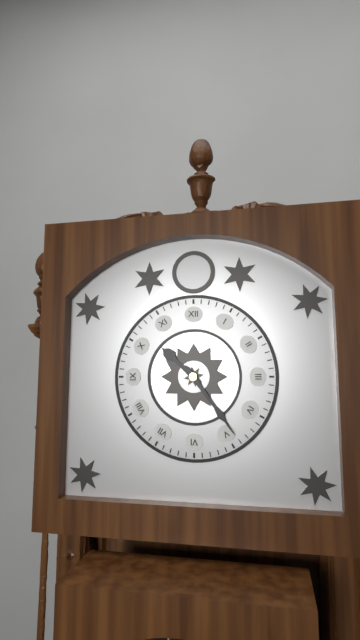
10:24
